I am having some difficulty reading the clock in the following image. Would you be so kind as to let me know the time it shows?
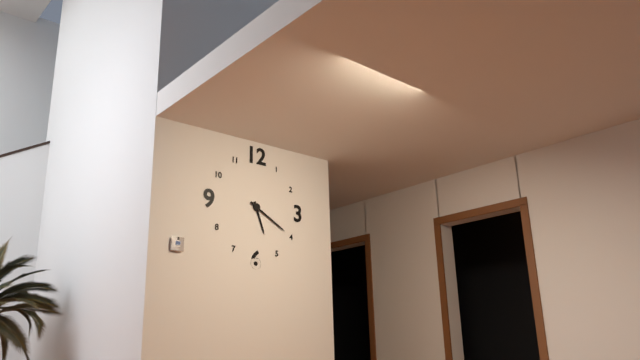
5:20
